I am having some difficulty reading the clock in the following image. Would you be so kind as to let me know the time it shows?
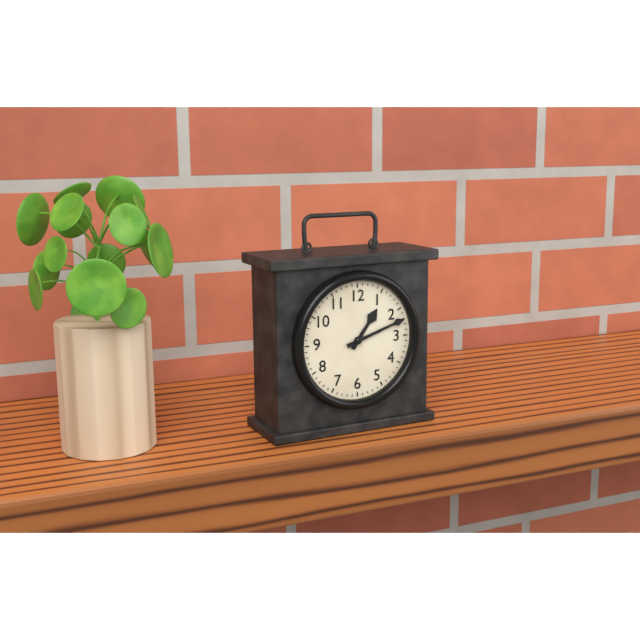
1:12
